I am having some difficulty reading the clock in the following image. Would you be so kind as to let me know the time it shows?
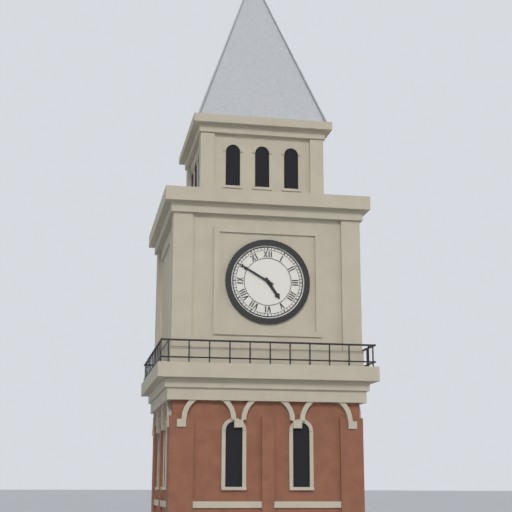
4:50
